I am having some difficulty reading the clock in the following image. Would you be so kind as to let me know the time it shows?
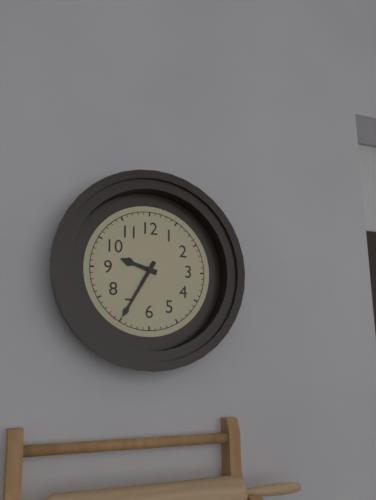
9:35
